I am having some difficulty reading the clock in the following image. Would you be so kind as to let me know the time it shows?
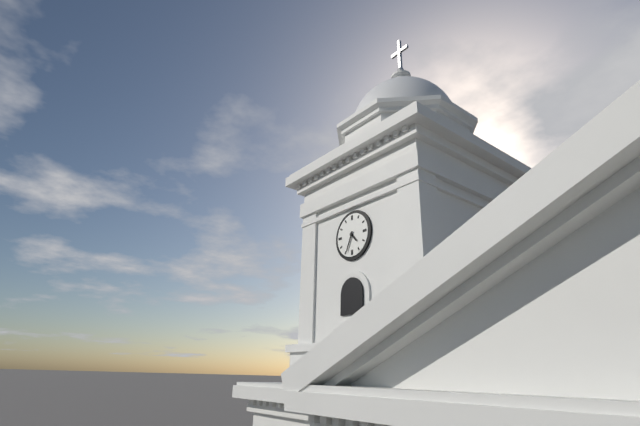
4:34
